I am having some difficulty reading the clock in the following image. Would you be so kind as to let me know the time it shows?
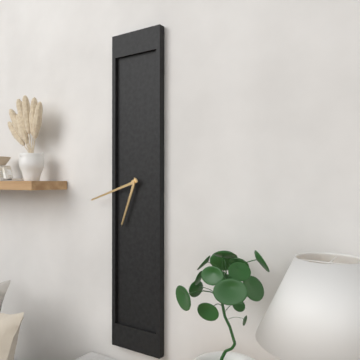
6:42
